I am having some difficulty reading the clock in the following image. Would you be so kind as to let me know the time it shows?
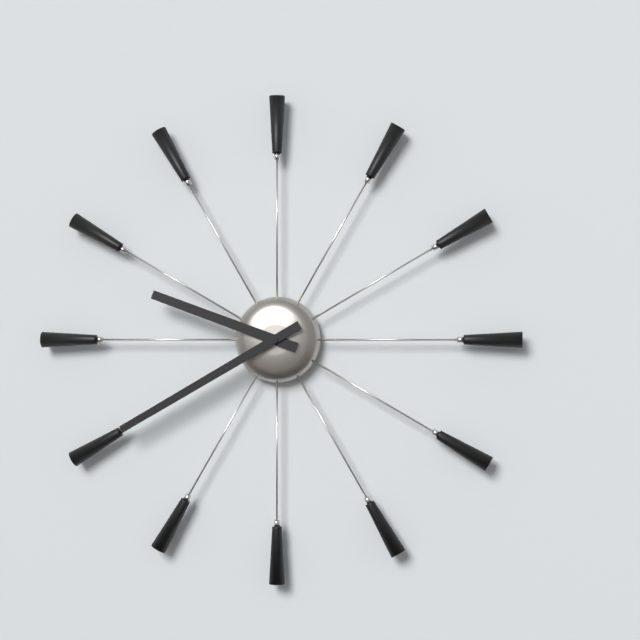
9:40
